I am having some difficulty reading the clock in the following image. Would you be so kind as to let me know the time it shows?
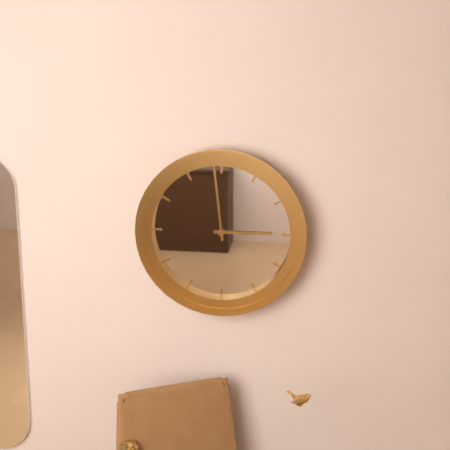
2:59
